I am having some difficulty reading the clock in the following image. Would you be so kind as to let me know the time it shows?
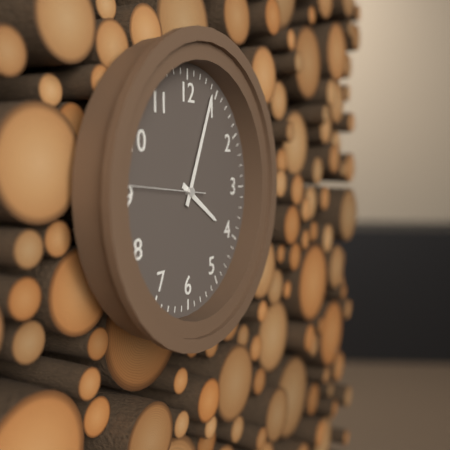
4:04:46
